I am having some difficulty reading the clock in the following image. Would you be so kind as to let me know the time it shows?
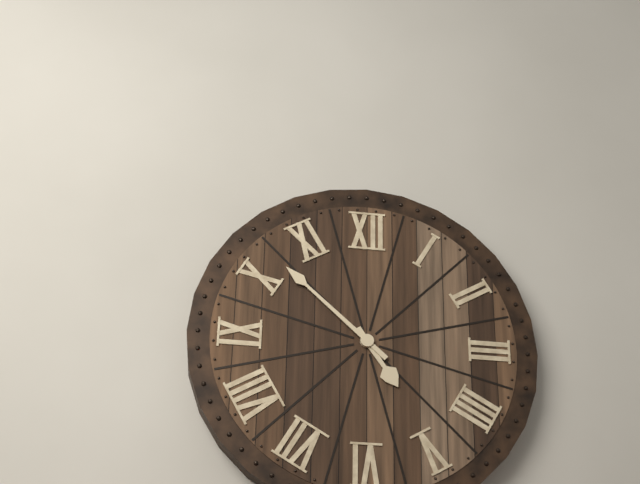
4:52
